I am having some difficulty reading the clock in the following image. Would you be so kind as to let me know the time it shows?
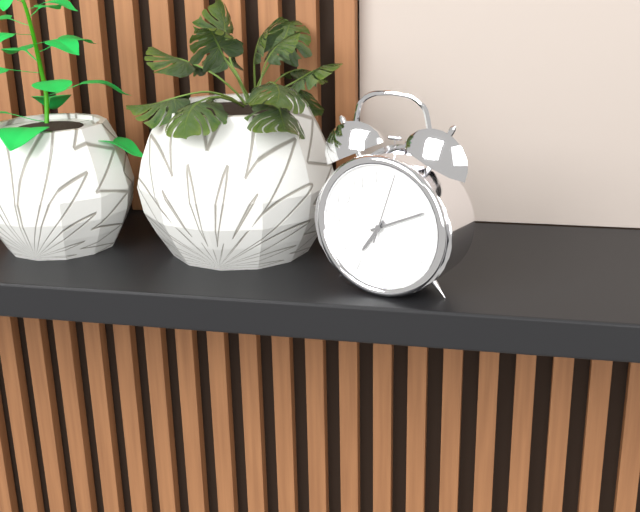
7:11:03
